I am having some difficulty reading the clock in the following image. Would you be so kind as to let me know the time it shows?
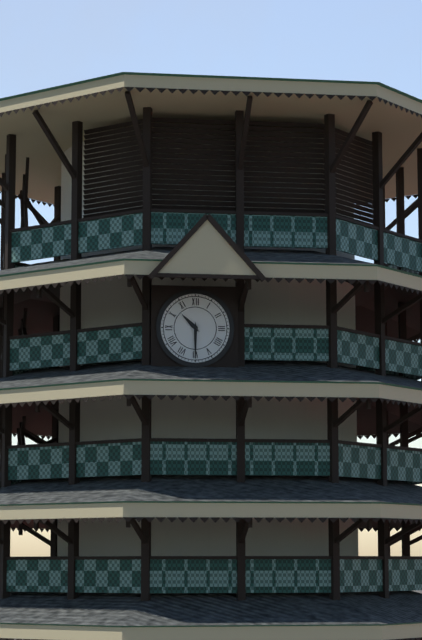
10:30
